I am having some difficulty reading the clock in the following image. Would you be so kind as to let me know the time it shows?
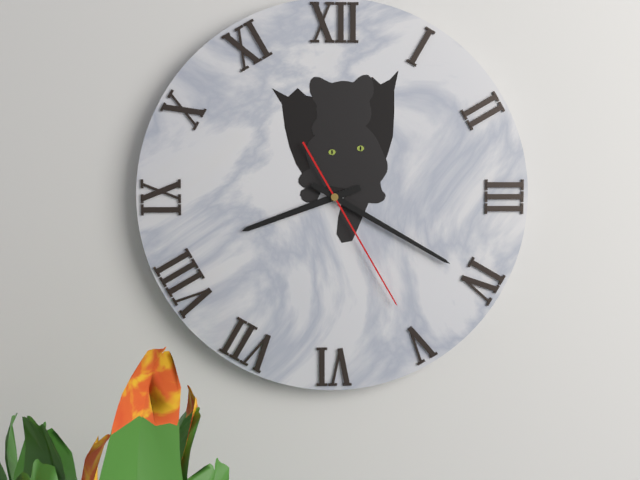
8:20:25
